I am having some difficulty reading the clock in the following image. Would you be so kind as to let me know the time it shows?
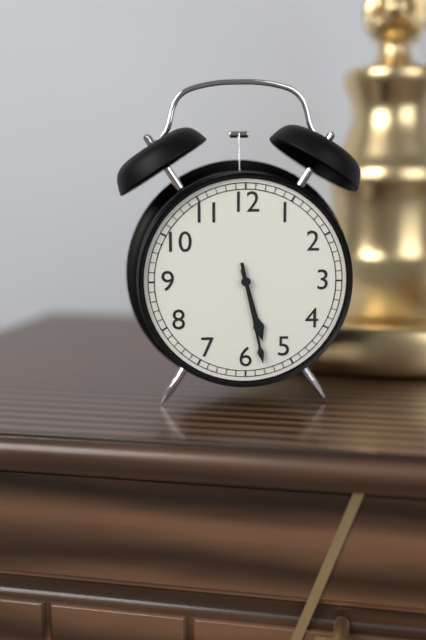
5:28
